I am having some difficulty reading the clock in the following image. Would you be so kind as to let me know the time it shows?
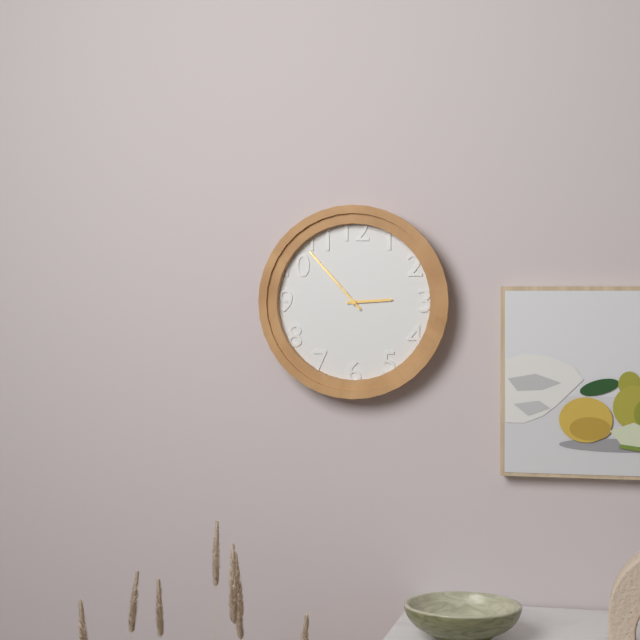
2:53
